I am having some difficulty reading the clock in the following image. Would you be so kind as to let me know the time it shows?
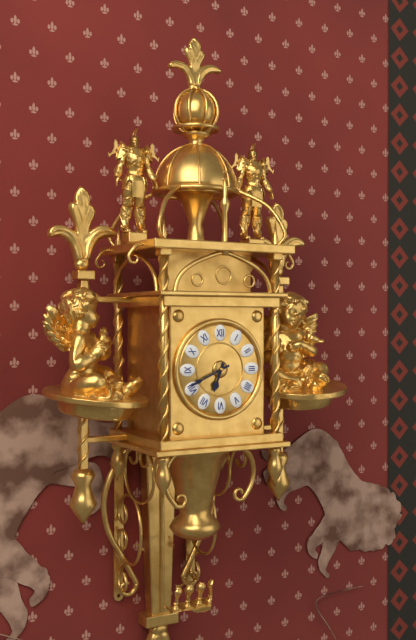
6:41
